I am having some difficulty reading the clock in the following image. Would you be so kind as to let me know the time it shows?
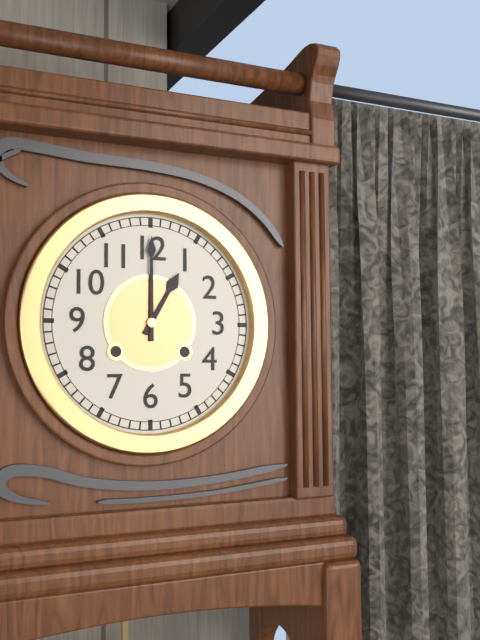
1:00
